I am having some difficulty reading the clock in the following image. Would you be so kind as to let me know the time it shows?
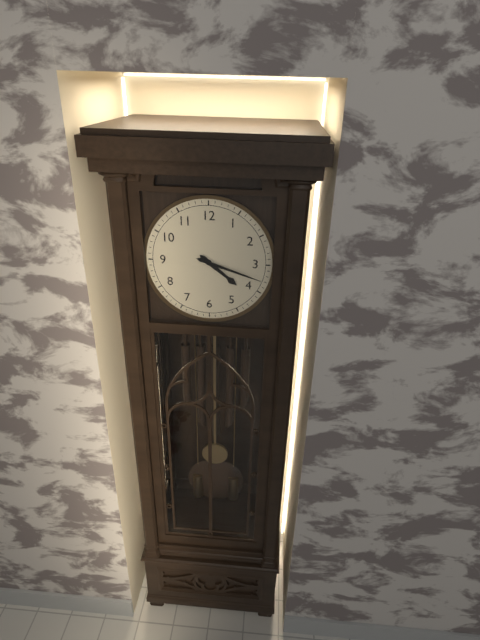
4:18
